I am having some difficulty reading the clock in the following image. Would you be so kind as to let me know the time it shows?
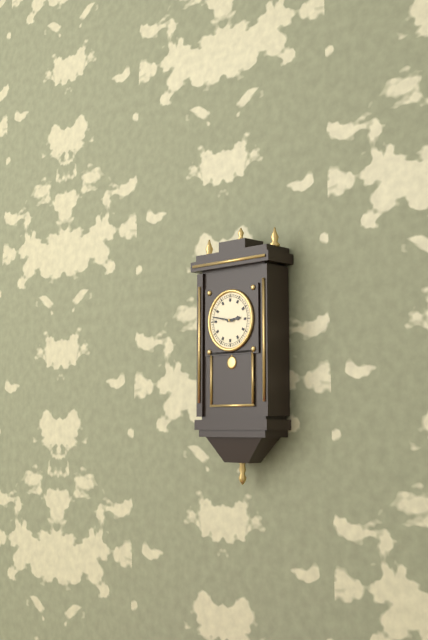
2:47
